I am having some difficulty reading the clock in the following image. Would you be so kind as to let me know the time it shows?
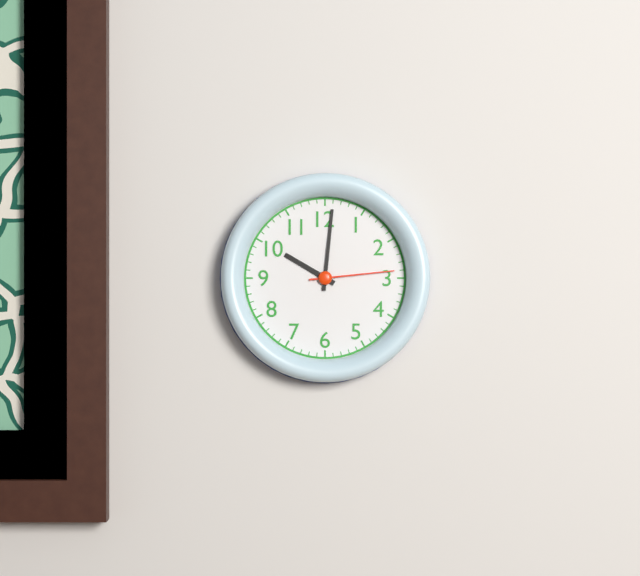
10:01:14
